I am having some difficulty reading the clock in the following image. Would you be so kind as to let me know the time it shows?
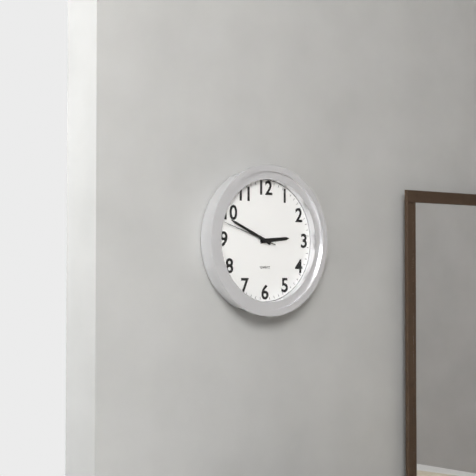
2:49:48
